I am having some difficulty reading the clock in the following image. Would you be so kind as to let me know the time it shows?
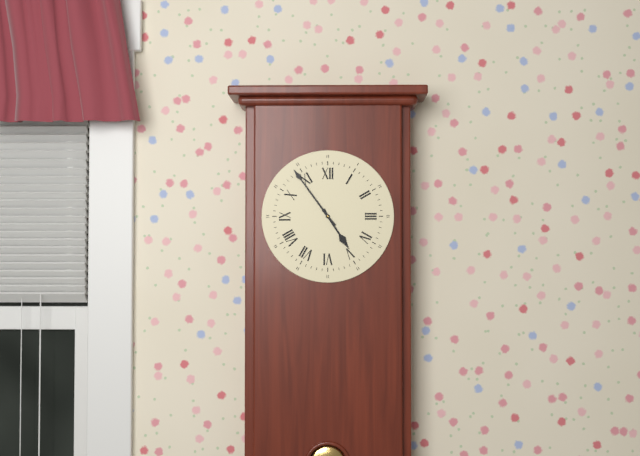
4:54
